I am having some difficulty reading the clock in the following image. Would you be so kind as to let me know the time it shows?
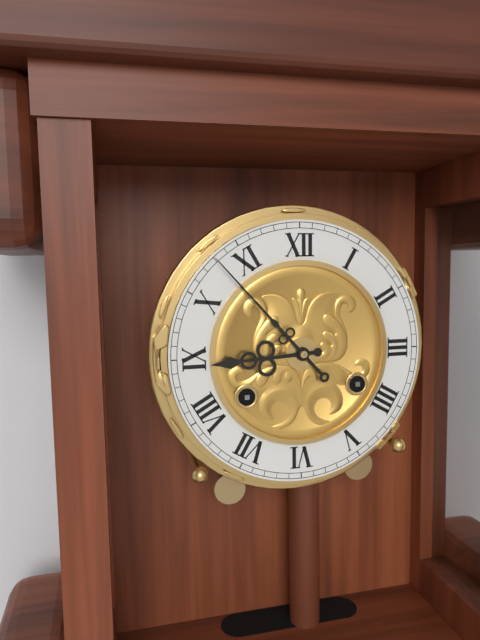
8:53
